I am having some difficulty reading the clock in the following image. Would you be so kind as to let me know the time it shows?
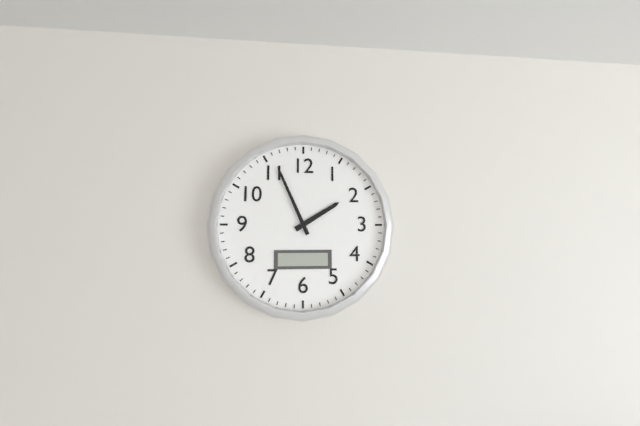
1:56
